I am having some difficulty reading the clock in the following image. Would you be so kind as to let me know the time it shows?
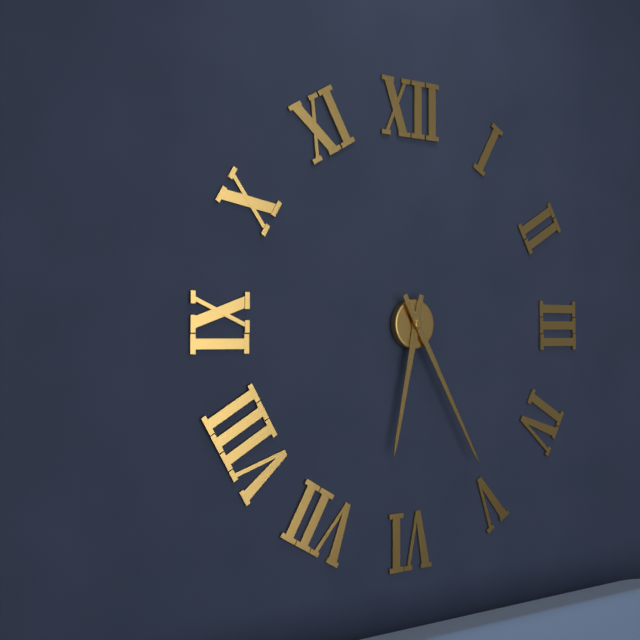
6:25
